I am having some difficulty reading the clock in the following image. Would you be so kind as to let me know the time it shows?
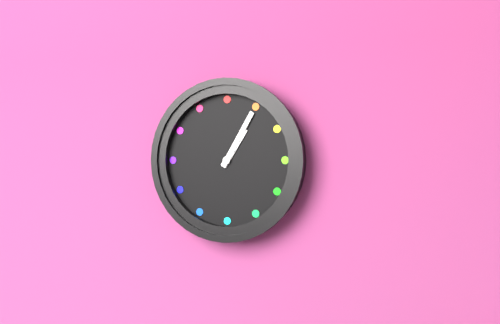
1:05
